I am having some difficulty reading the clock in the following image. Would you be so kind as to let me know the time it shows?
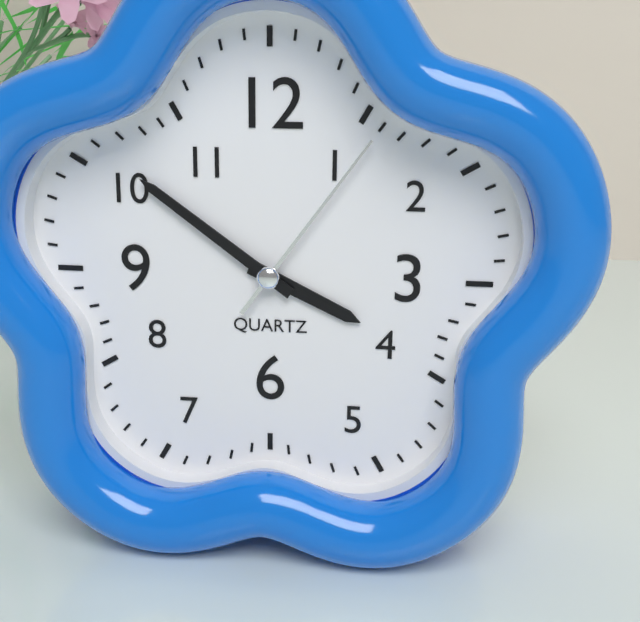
3:51:06
